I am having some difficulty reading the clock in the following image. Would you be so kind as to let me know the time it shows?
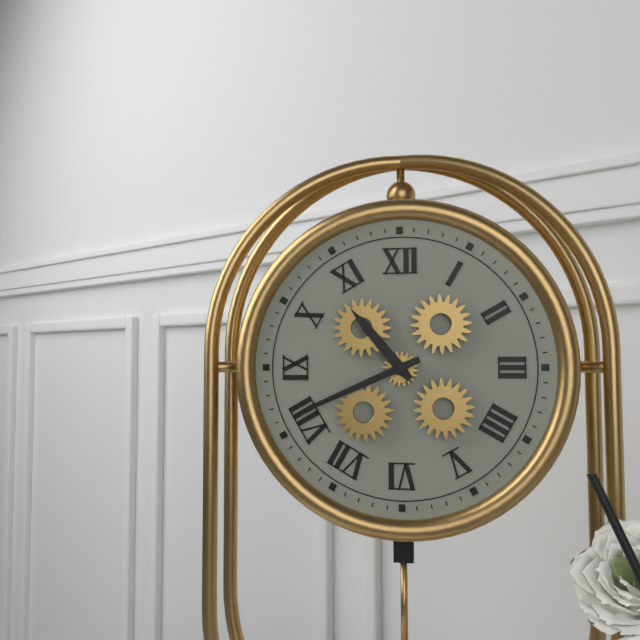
10:41
